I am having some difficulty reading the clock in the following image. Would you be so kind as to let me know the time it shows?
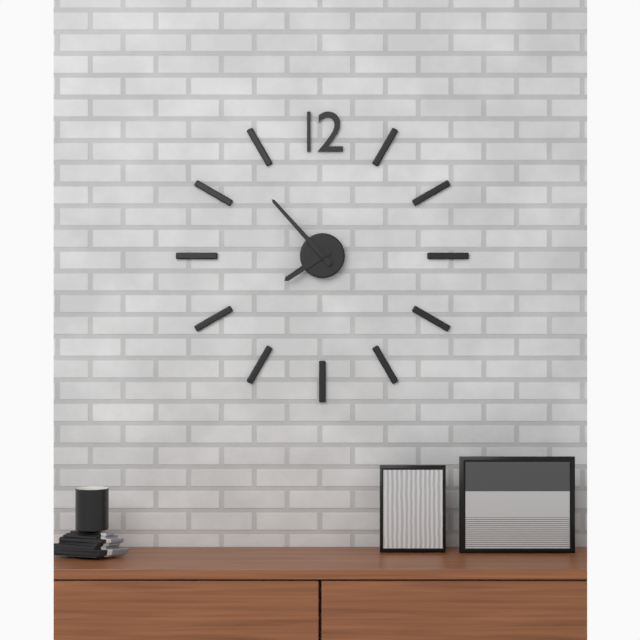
7:53
